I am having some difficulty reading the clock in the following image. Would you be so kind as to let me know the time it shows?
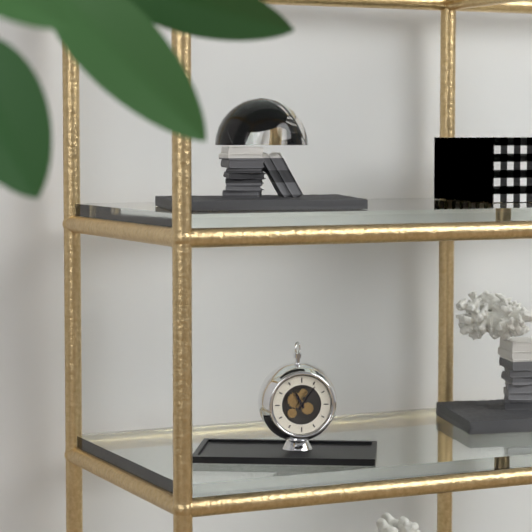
11:06
